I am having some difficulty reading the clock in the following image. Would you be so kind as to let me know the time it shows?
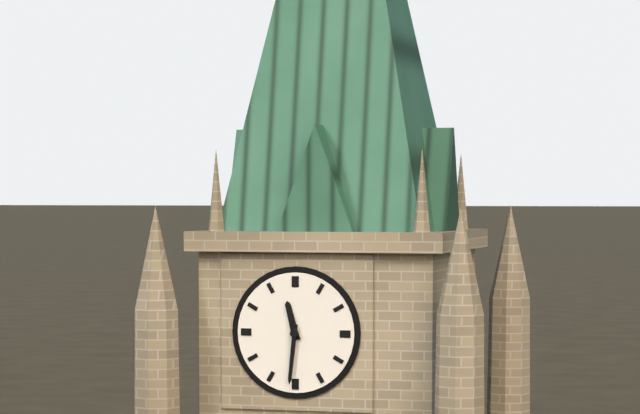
11:31
